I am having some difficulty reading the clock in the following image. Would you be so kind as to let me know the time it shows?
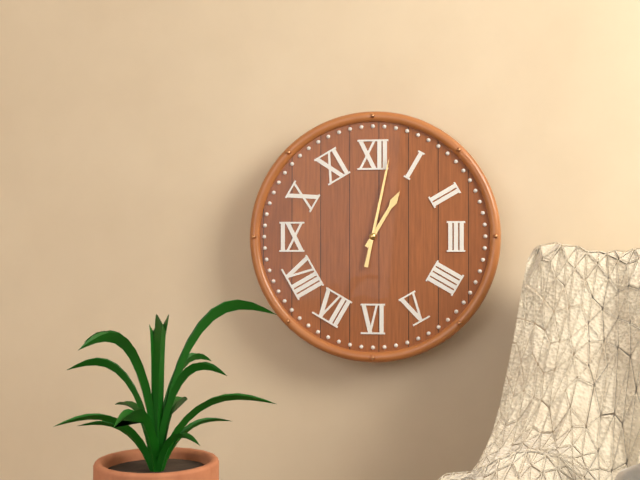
1:02
